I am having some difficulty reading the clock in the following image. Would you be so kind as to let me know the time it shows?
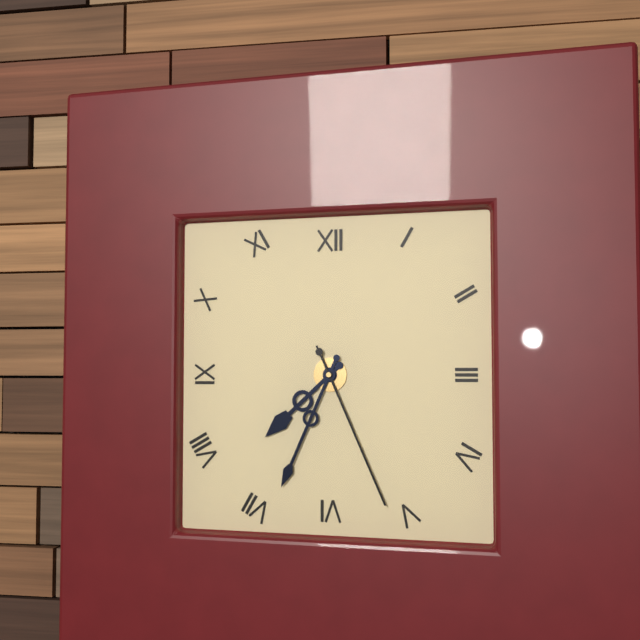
7:34:26
